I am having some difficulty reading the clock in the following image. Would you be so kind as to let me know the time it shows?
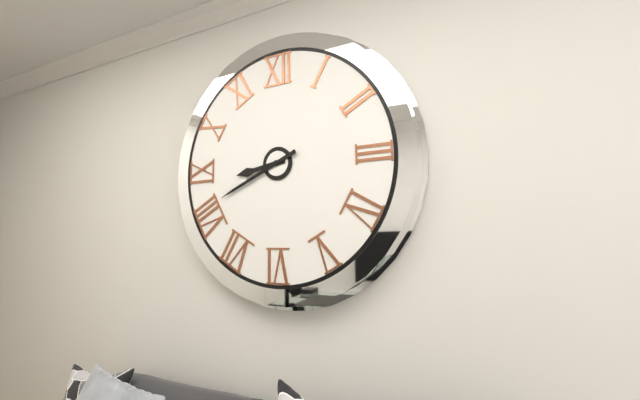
8:41
